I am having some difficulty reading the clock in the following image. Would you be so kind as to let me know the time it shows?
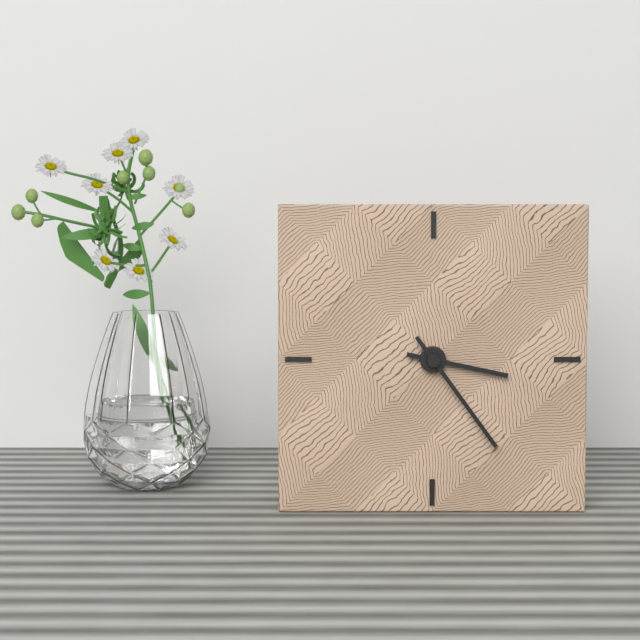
3:24
